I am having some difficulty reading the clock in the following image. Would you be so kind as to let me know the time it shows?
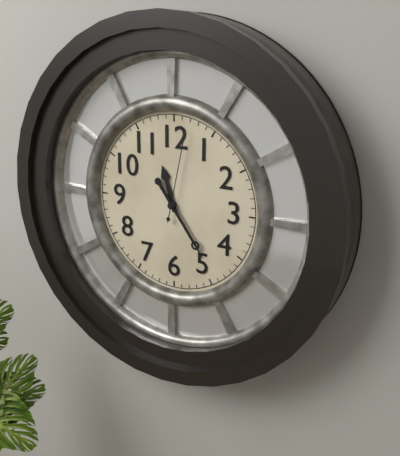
11:24:02
